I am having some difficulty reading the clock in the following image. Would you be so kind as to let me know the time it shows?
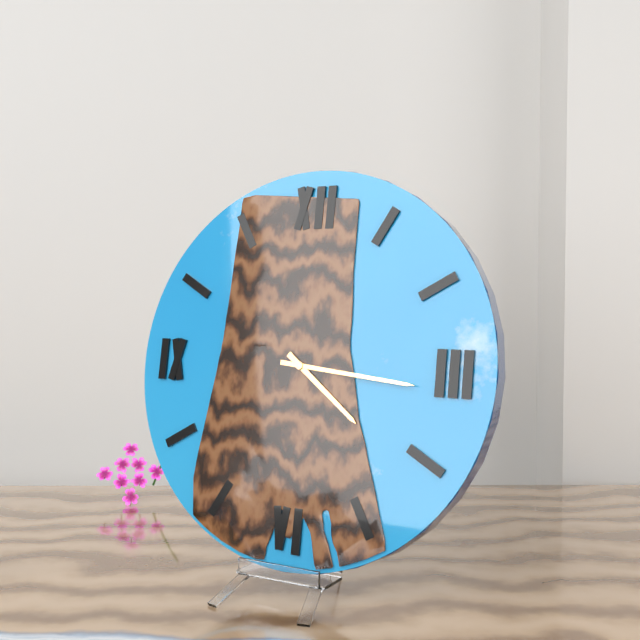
4:16
